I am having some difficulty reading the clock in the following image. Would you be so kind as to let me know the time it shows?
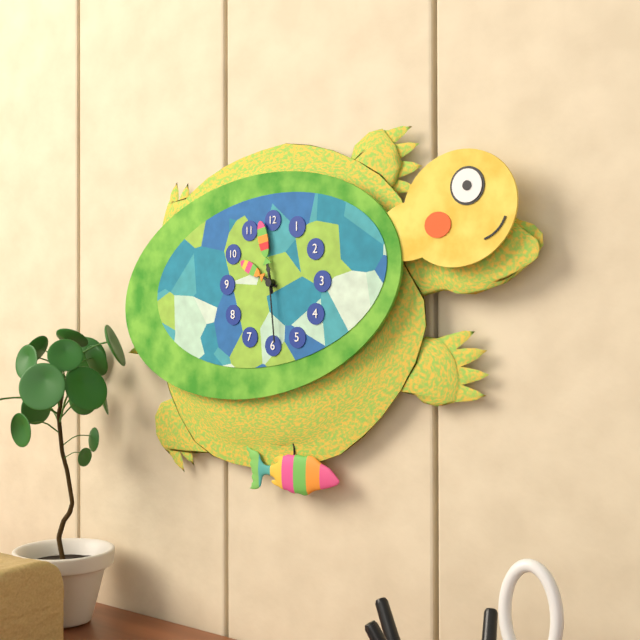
9:58:29
